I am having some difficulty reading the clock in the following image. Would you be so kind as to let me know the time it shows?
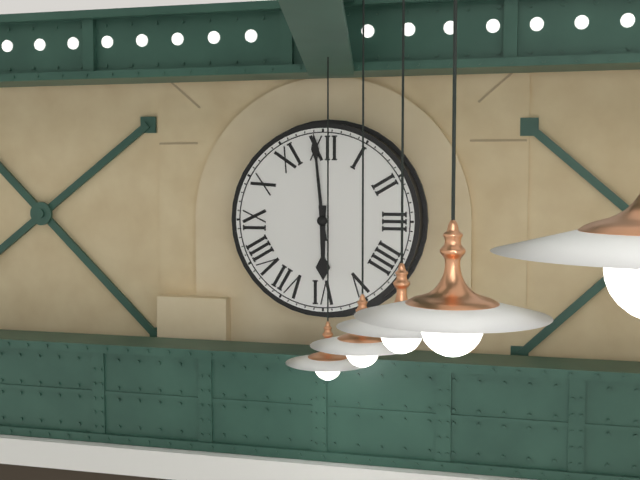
5:59
